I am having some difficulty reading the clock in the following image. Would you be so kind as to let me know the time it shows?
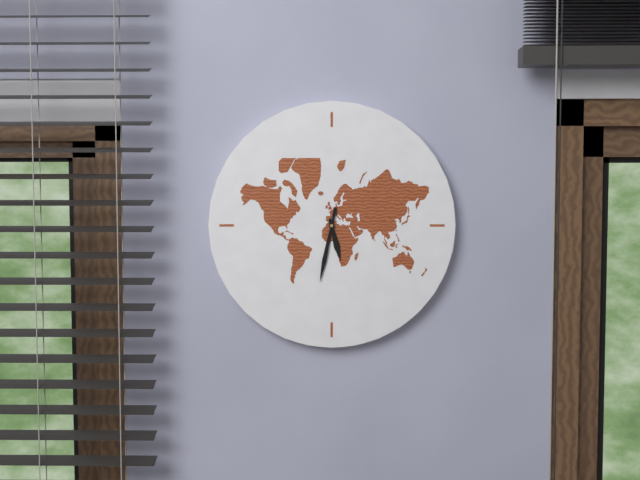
5:32
